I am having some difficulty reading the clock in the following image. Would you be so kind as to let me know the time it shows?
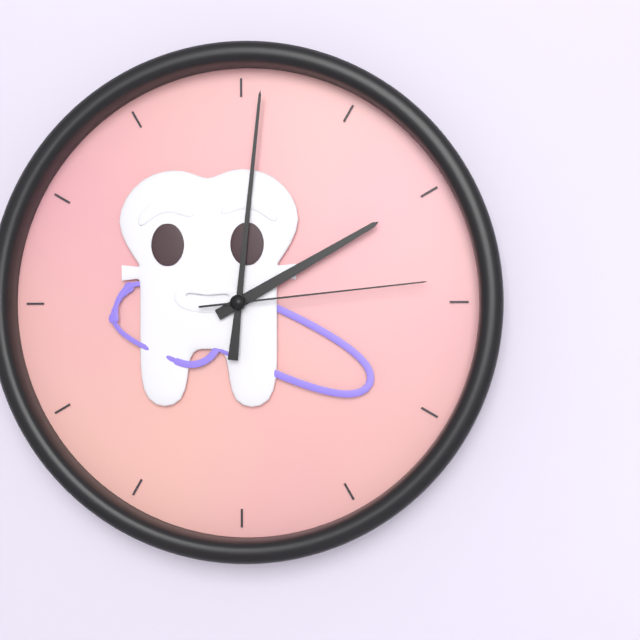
2:01:14
